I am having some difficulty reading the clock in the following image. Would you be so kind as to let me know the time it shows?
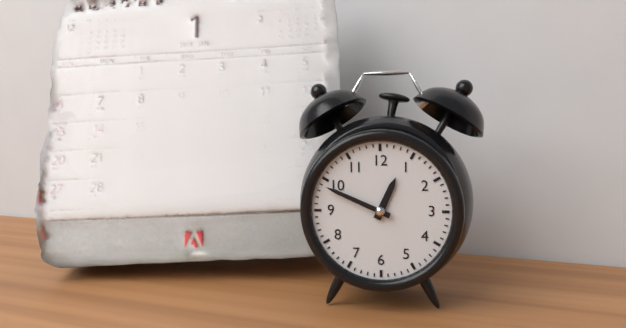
12:49
